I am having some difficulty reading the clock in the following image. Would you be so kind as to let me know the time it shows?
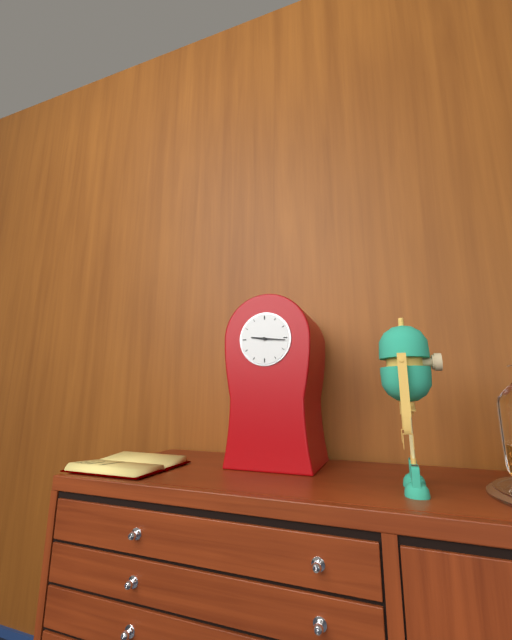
9:16
